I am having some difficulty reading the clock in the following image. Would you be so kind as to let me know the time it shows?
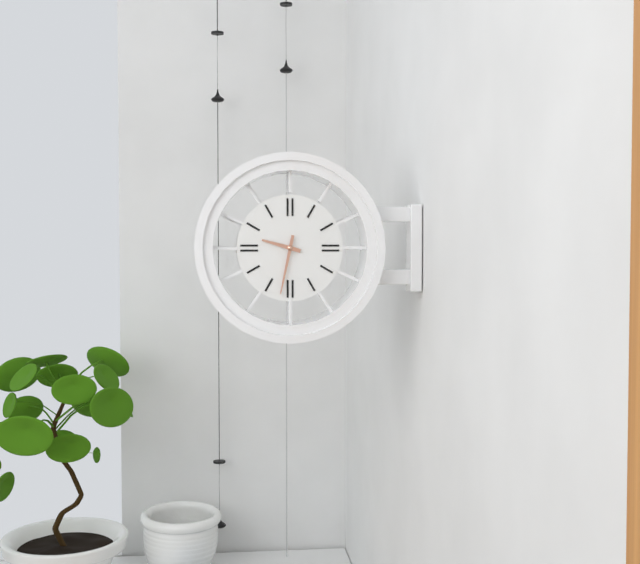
9:32
